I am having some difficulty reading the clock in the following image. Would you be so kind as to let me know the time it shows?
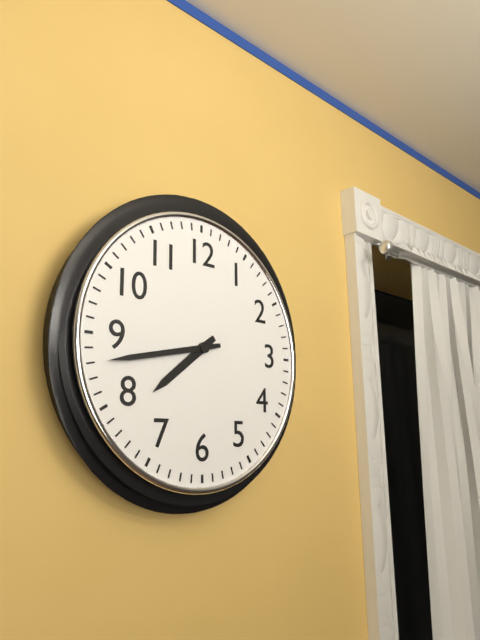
7:43
